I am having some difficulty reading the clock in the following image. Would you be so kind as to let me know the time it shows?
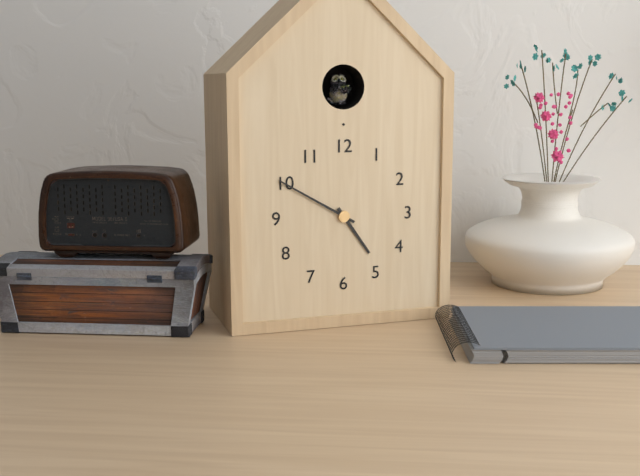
4:50
